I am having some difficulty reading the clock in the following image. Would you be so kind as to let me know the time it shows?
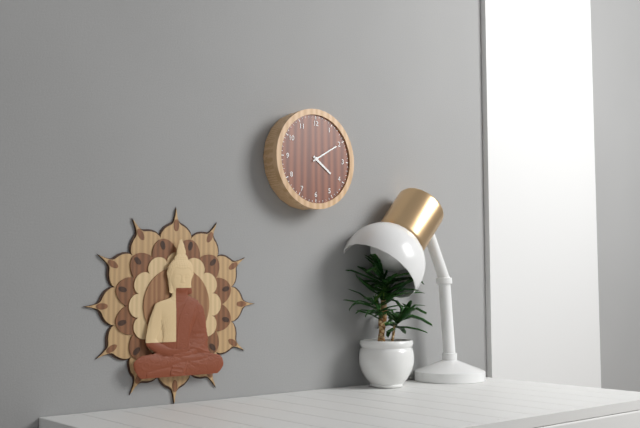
4:10
